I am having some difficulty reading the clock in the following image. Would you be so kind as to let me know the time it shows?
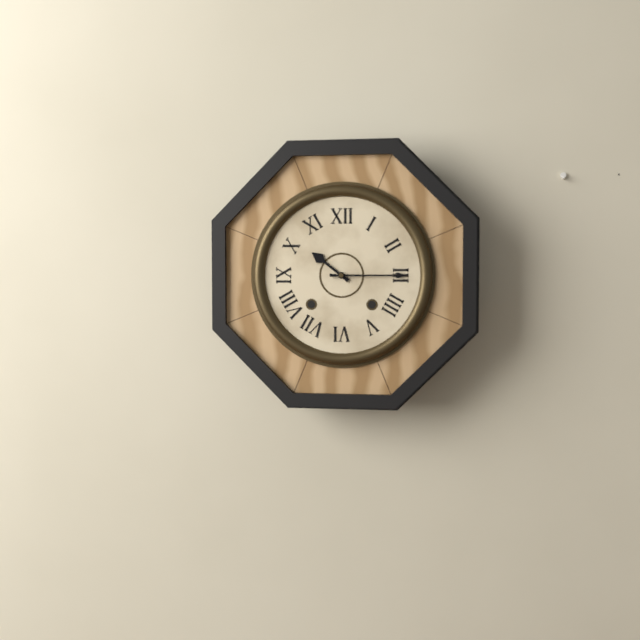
10:15
